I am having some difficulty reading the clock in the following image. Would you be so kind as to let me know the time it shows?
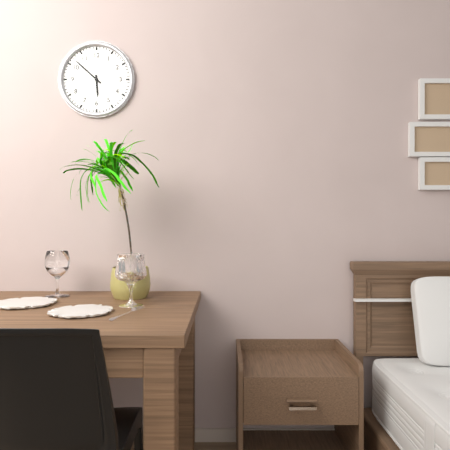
5:52
